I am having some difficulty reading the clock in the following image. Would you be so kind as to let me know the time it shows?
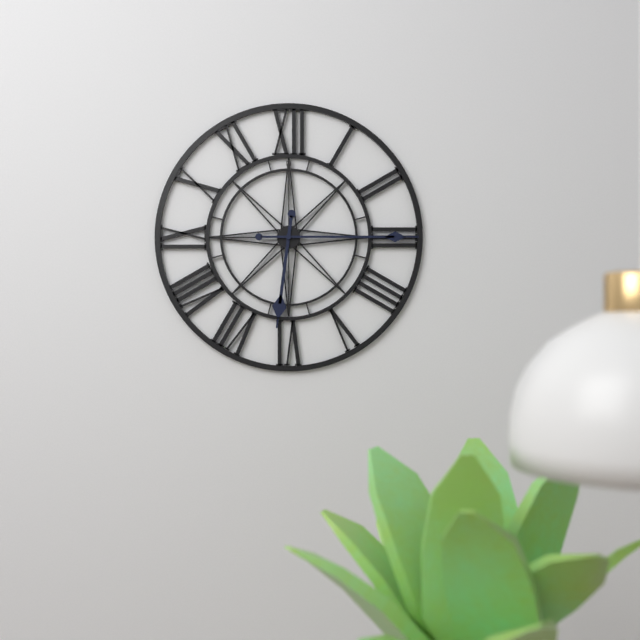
6:15
